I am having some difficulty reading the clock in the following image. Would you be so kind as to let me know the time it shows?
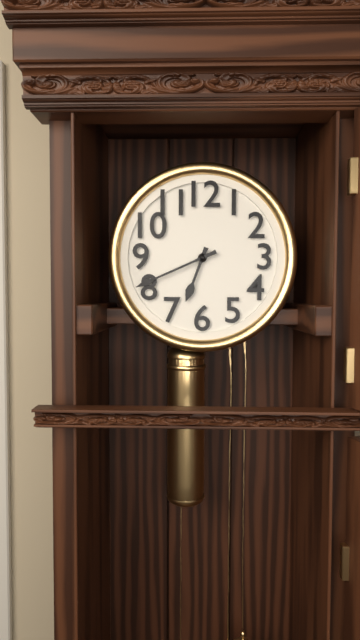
6:41
